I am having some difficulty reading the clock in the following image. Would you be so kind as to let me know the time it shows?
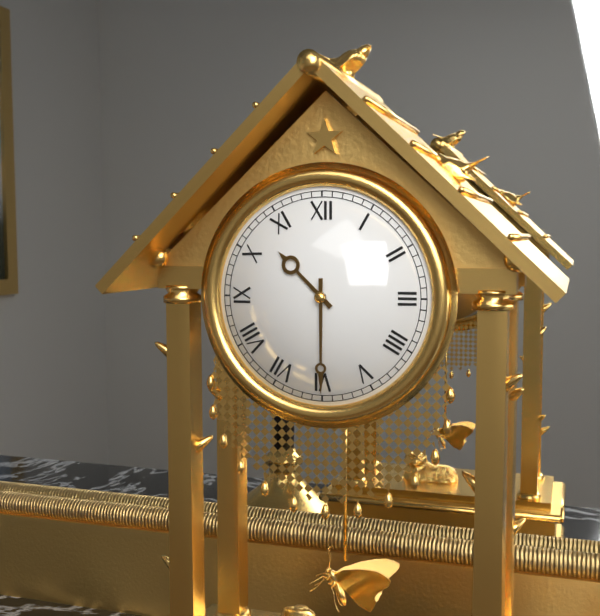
10:30
